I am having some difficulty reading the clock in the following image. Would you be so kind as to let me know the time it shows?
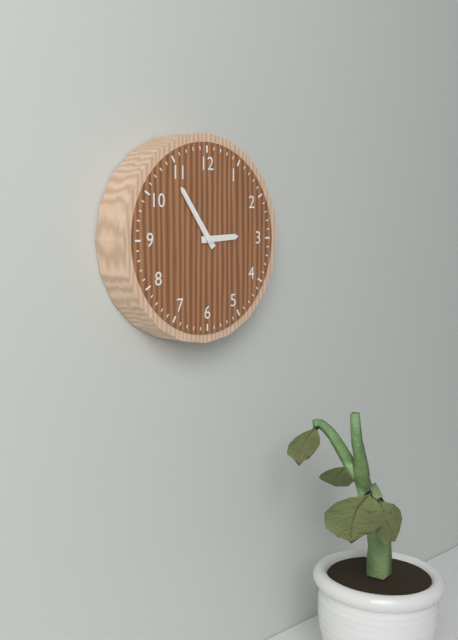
2:54
